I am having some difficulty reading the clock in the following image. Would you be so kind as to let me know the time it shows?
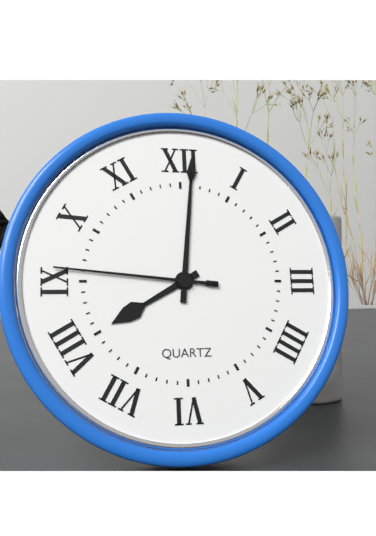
8:01:46
